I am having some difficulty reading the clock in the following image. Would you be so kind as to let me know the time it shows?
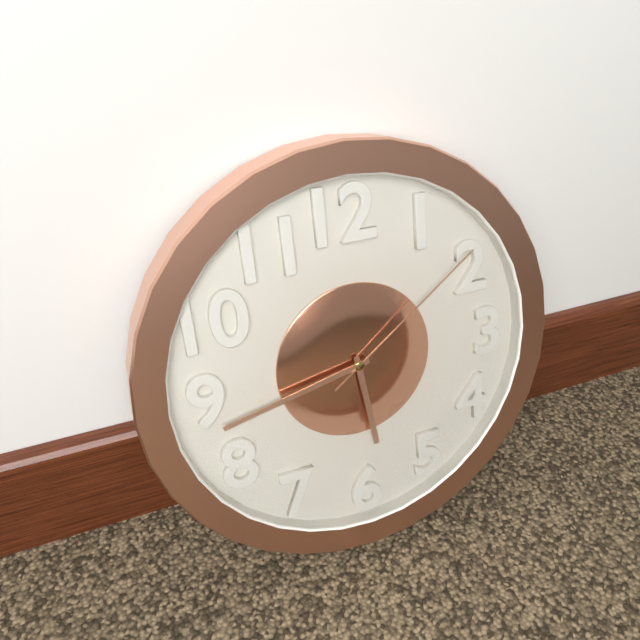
5:43:09
